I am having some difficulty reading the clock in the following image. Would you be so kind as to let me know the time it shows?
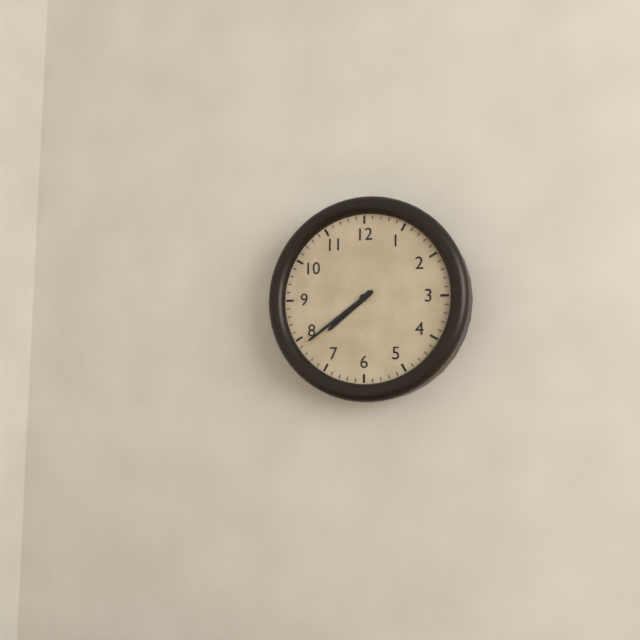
7:39
